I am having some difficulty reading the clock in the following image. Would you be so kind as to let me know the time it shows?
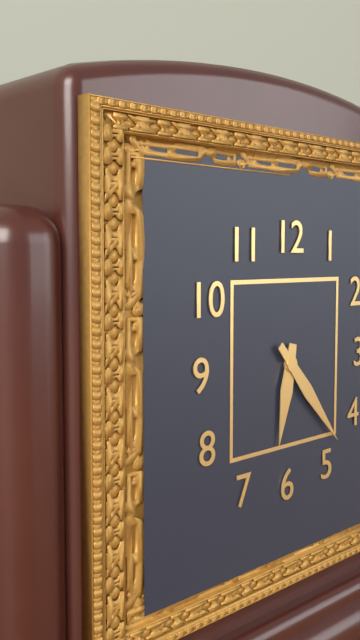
6:23
